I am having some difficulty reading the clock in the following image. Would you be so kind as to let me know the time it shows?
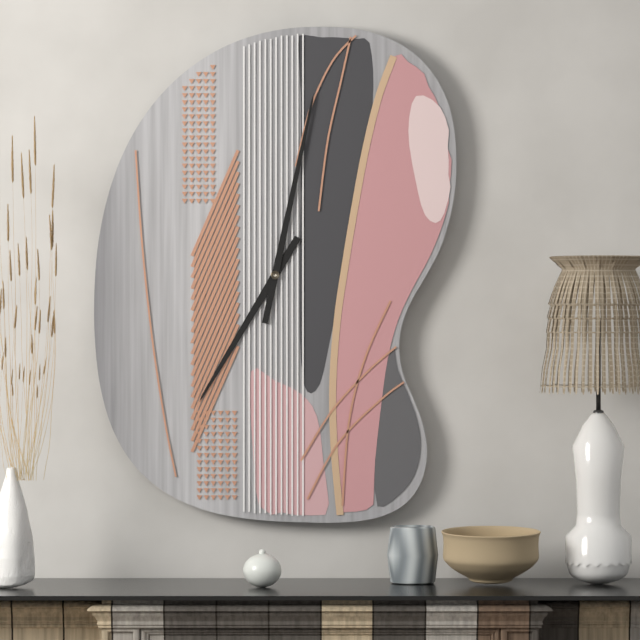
7:02
